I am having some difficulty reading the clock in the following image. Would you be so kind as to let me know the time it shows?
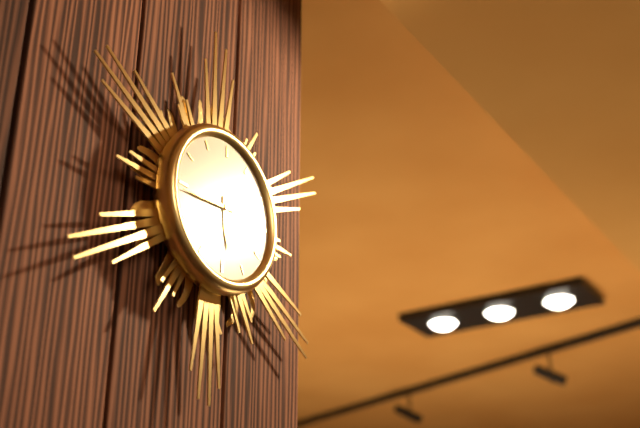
5:44
